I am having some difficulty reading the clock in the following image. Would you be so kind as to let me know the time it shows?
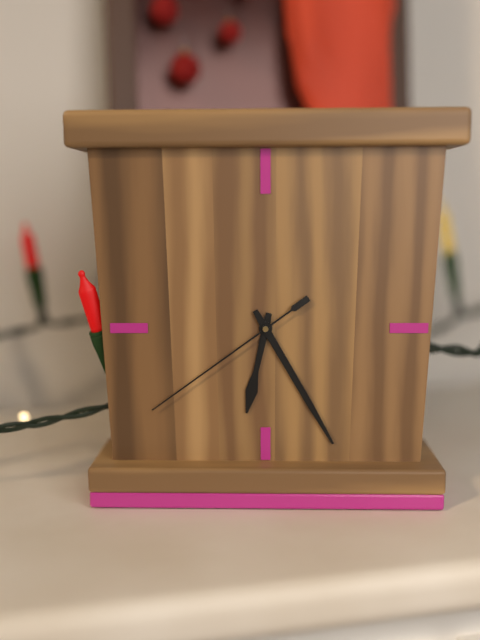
6:25:39
